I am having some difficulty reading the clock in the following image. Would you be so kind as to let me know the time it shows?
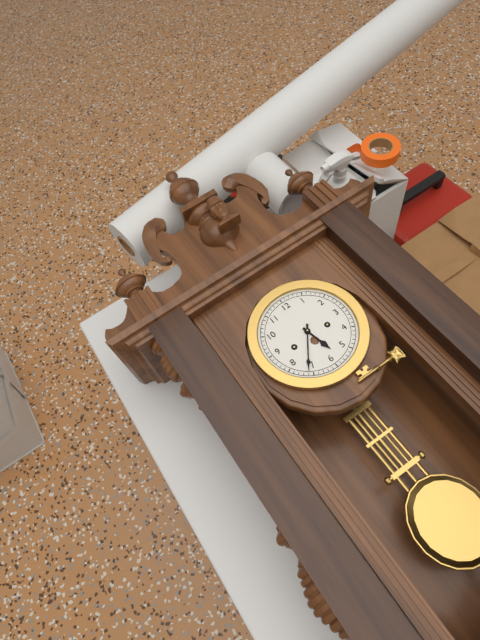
5:36
